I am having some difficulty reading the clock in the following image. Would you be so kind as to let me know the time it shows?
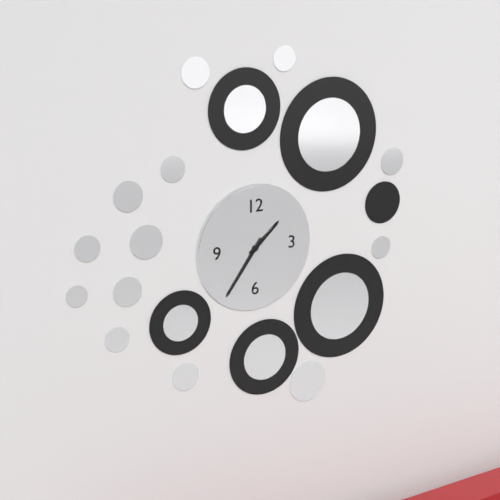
1:36
